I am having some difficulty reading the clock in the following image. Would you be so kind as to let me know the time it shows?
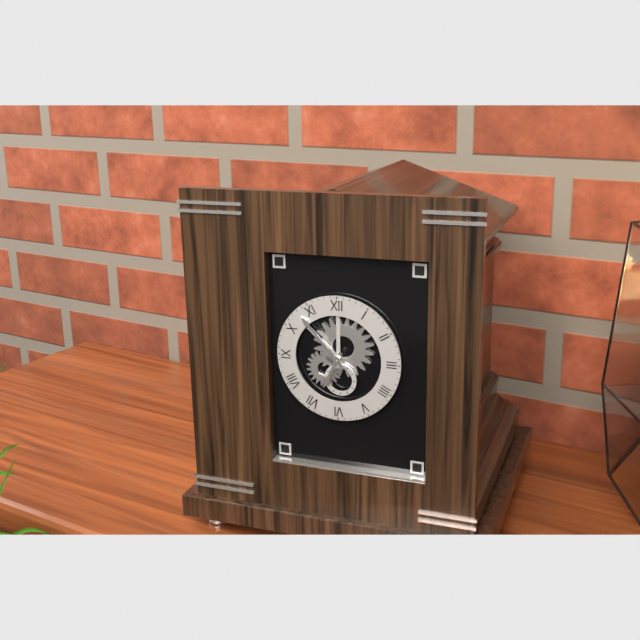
6:53
